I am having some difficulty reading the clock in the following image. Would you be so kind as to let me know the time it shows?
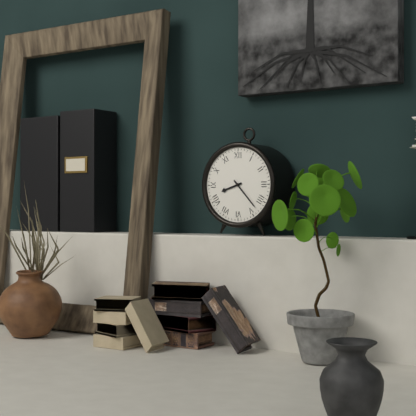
8:23
